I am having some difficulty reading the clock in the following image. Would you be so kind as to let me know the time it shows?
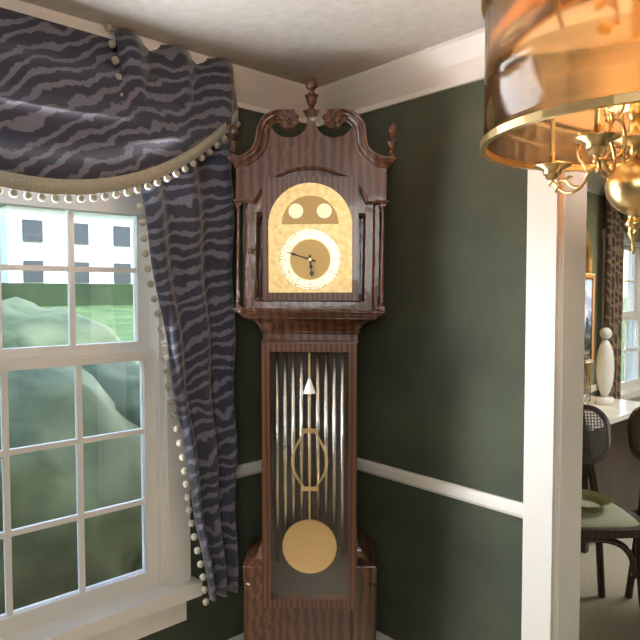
5:48
